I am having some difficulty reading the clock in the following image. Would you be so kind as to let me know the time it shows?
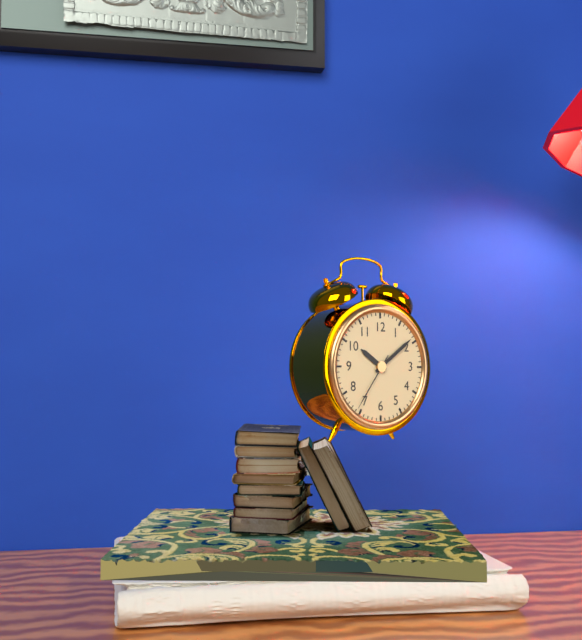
10:09:36
